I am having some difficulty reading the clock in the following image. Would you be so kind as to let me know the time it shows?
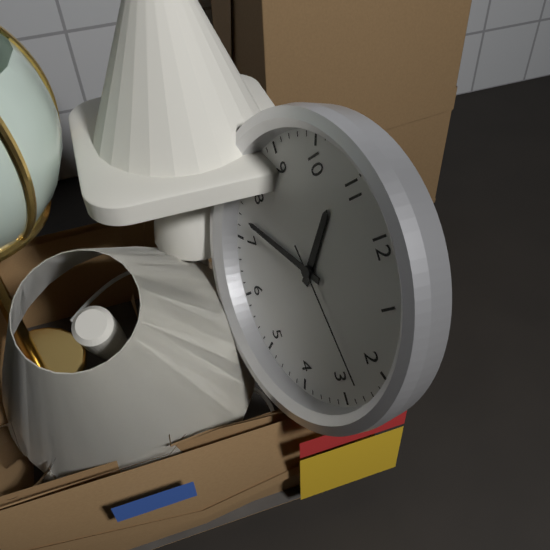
10:37:13
